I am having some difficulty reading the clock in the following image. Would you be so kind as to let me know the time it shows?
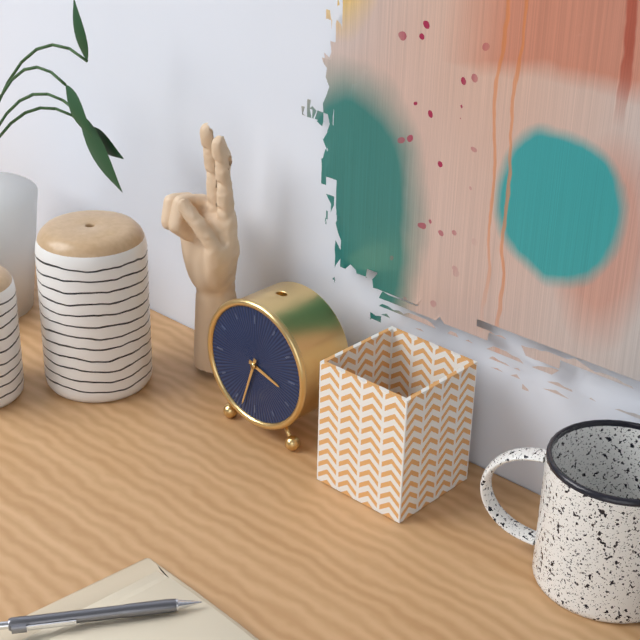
3:33
